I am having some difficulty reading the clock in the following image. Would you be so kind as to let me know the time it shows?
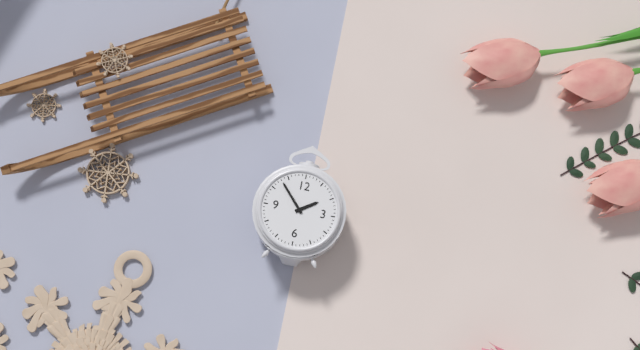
1:53
